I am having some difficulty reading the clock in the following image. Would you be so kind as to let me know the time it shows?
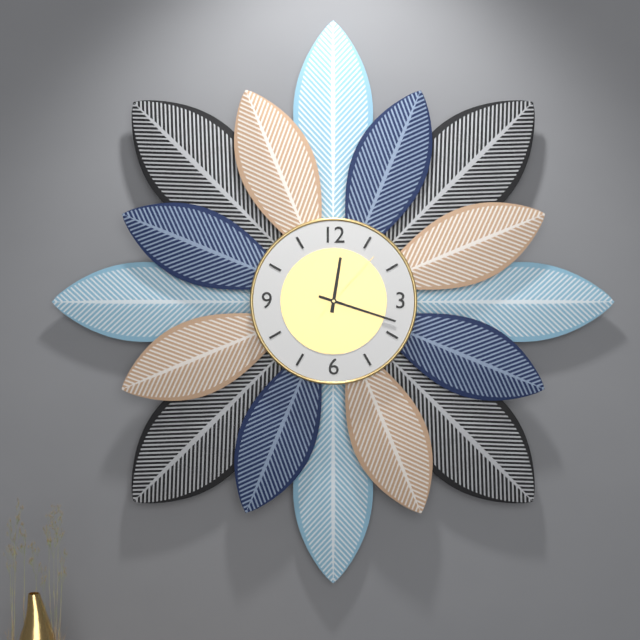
12:18:07
